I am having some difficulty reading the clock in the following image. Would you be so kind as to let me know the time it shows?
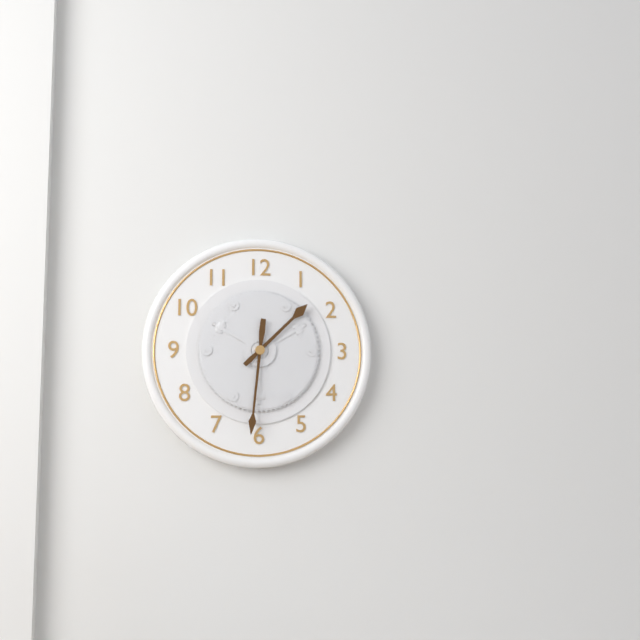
1:31
